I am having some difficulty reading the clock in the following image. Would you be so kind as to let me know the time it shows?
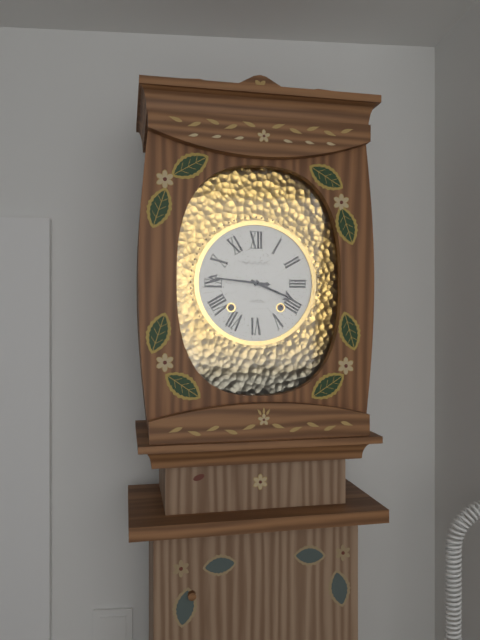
3:46
